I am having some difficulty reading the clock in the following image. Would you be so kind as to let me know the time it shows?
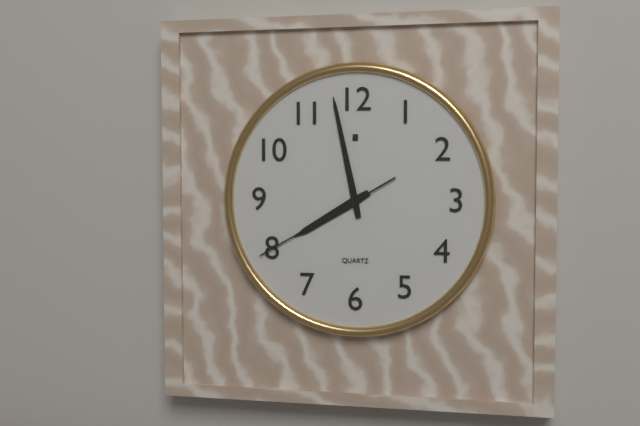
7:58:40
